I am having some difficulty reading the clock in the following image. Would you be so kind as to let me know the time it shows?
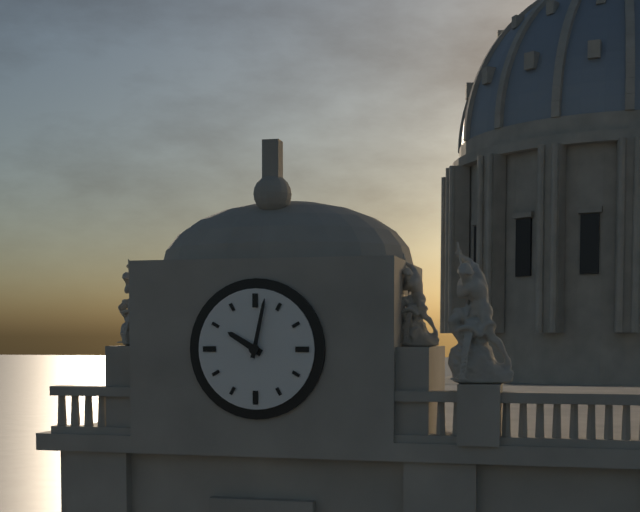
10:02
